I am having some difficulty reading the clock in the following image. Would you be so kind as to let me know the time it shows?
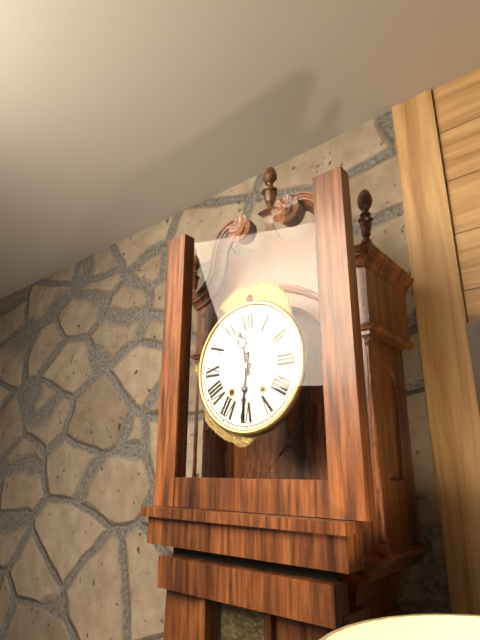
11:31
